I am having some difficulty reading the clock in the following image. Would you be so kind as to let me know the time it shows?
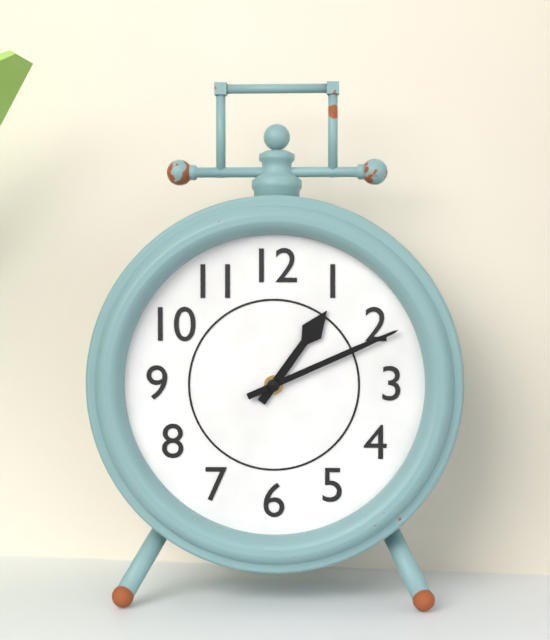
1:11
